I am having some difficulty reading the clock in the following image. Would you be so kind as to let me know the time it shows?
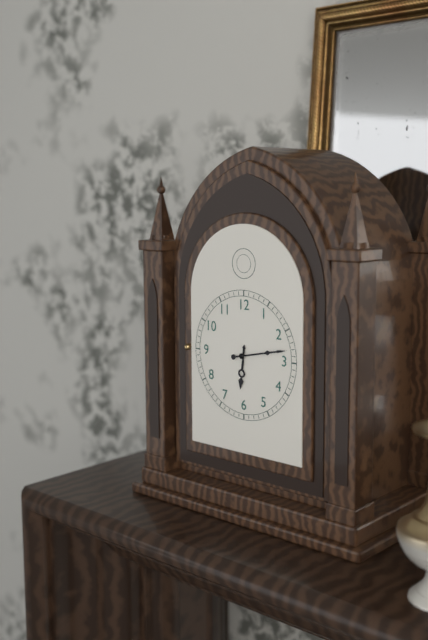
6:13
